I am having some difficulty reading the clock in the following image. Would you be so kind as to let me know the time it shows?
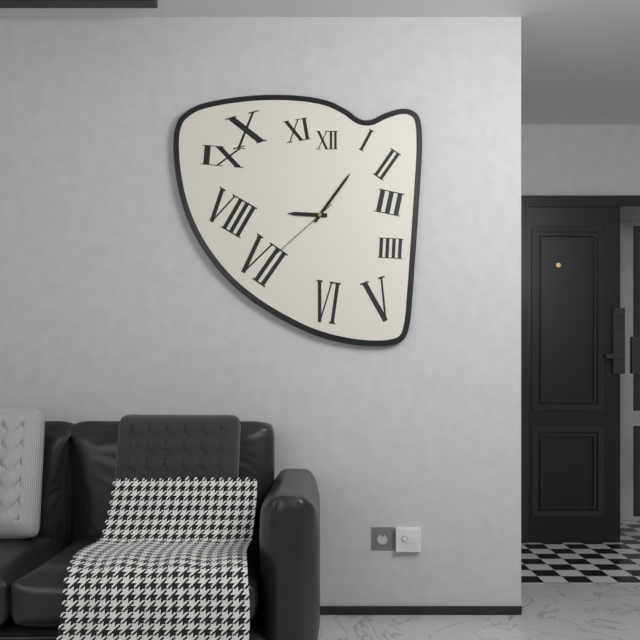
9:06:38
